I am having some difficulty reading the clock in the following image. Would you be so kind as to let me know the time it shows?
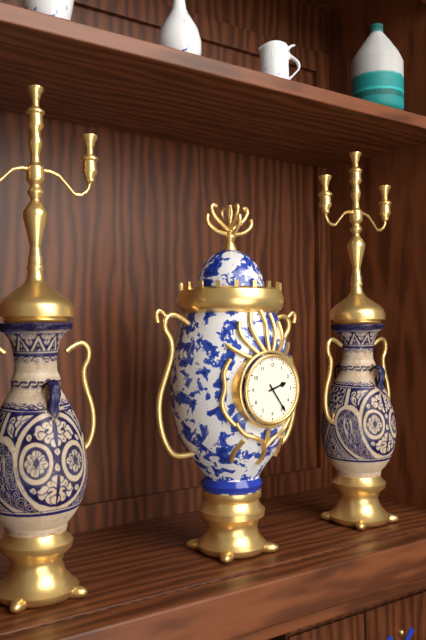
2:24
